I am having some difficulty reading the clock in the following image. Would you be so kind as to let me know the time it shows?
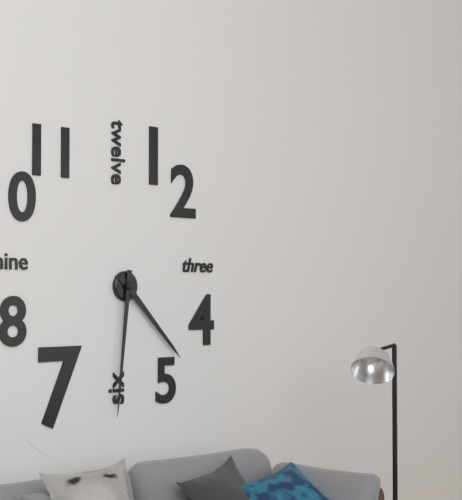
4:31
